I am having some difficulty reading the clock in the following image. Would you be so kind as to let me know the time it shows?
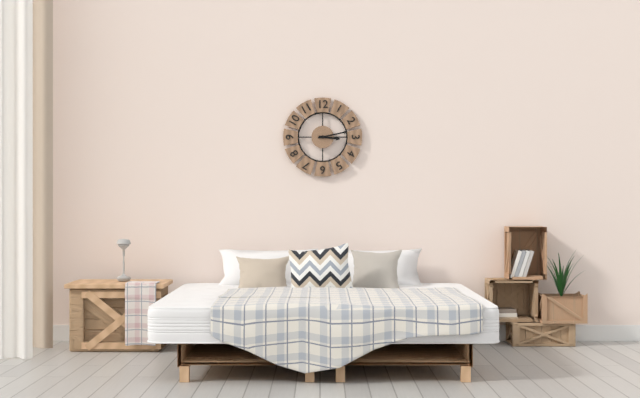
3:13
